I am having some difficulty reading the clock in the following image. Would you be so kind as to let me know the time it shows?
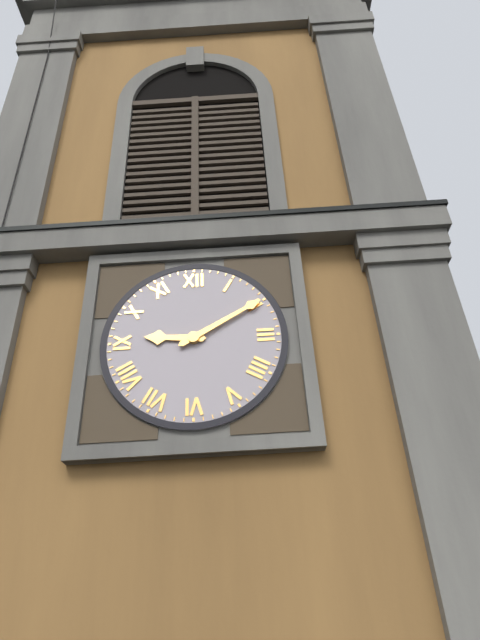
9:10
